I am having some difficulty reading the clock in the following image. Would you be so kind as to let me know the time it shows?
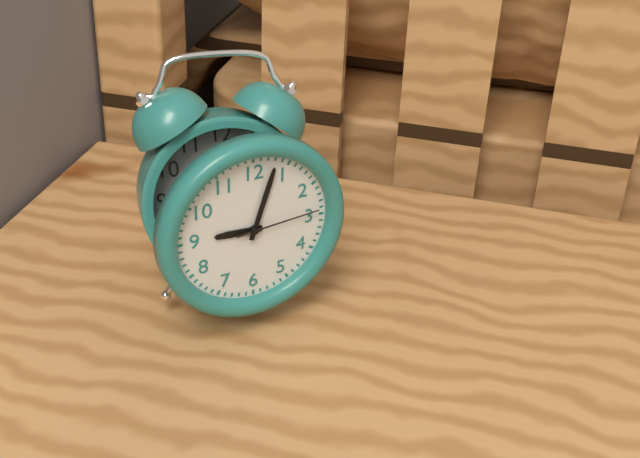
9:03:14
